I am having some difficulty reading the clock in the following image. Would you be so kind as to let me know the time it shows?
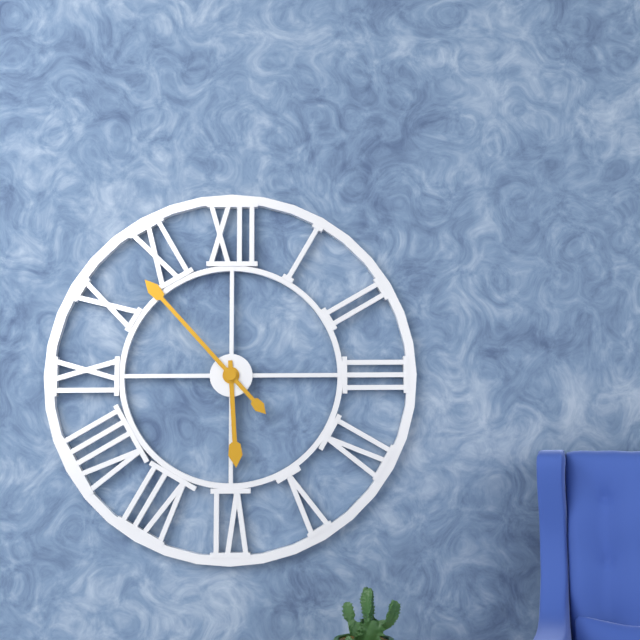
5:53
